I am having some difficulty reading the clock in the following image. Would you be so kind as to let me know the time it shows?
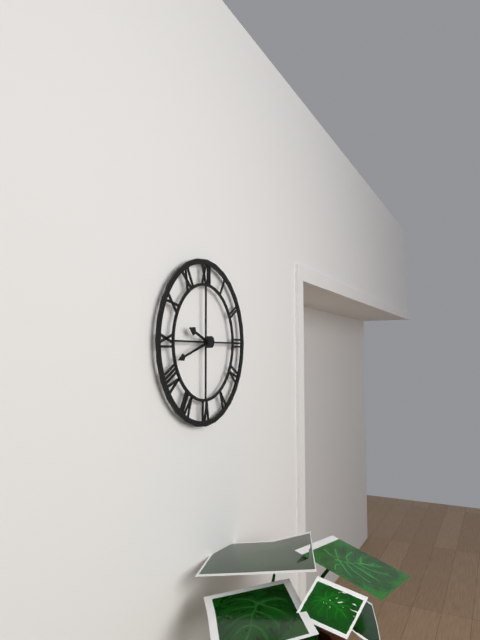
9:42
